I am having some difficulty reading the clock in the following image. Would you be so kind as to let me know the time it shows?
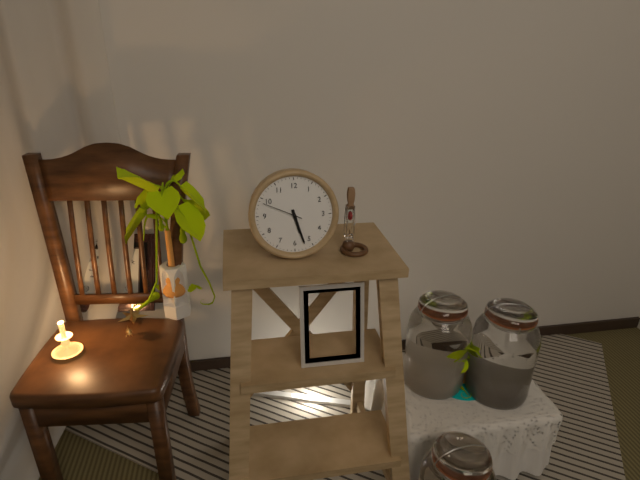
5:27
